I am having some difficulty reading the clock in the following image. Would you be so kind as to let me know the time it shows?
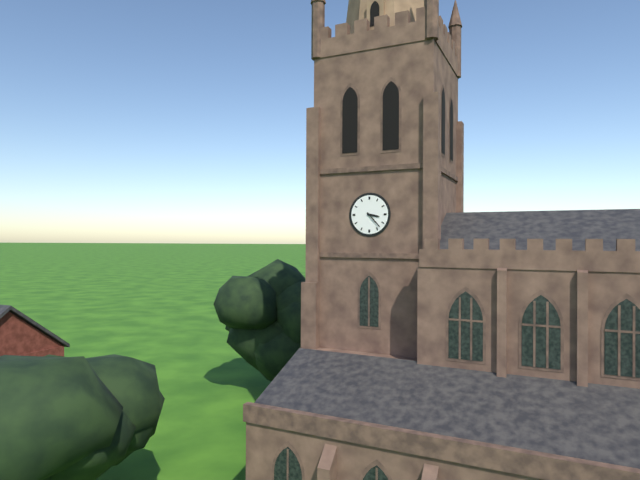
3:23
